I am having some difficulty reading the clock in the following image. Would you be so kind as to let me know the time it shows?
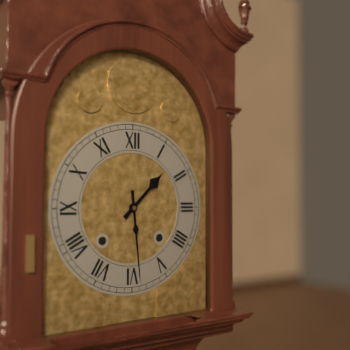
1:29
